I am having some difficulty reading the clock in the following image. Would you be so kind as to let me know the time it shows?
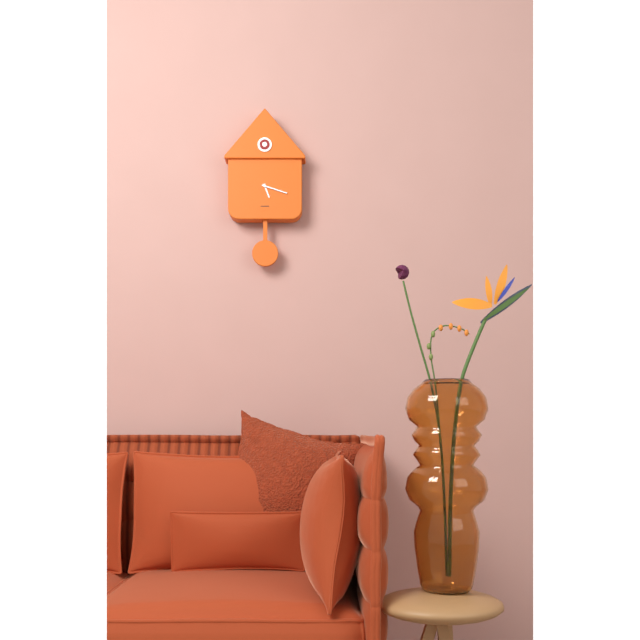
5:18
